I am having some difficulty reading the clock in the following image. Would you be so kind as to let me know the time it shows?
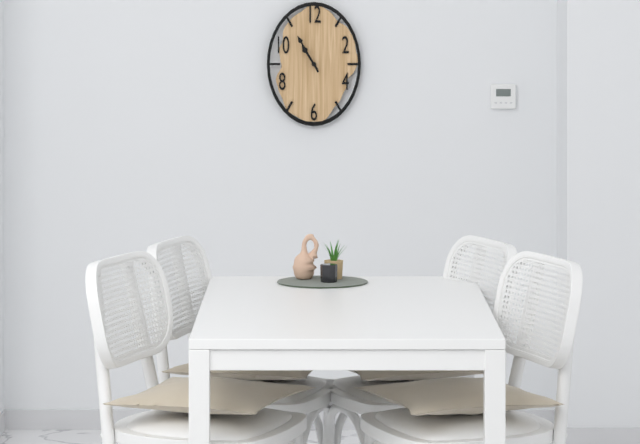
10:55
